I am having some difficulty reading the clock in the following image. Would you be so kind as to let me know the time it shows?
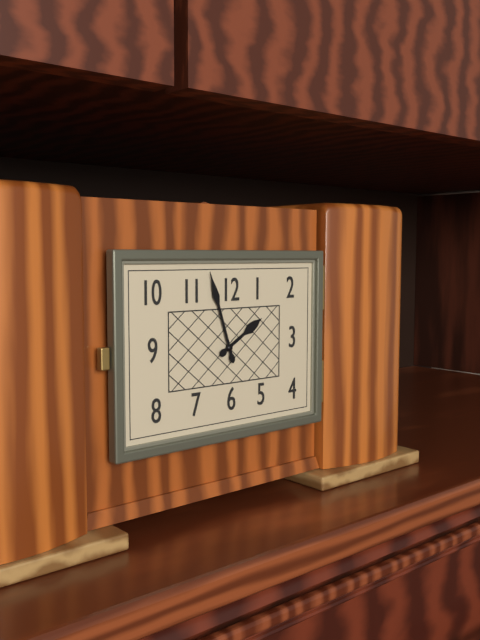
1:57
